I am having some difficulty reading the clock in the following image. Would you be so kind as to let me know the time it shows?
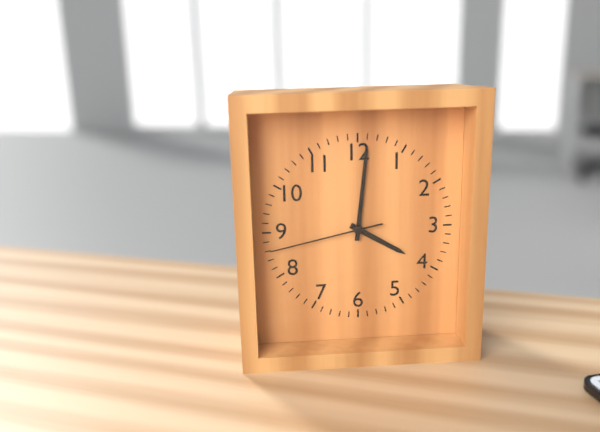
4:01:43
